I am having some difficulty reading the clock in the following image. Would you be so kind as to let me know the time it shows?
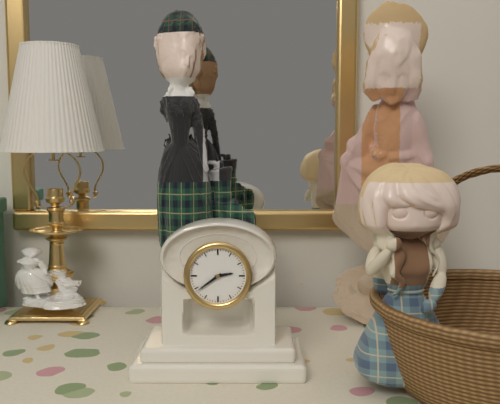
2:39
